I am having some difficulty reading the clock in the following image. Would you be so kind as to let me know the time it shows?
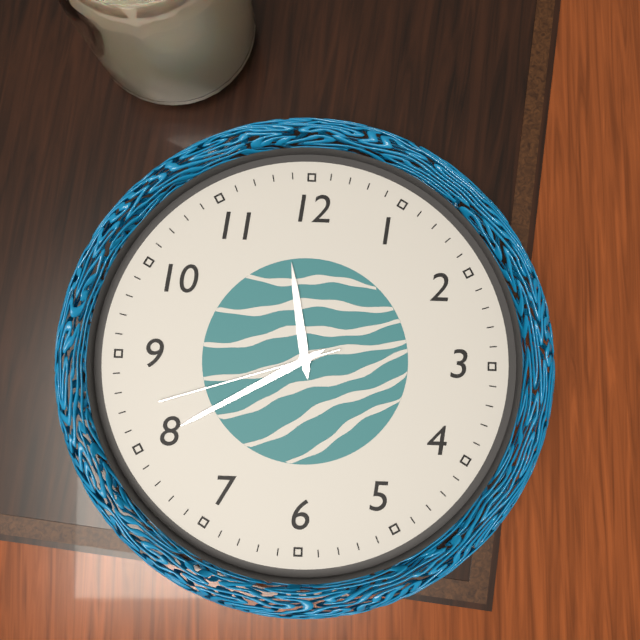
11:40:42
